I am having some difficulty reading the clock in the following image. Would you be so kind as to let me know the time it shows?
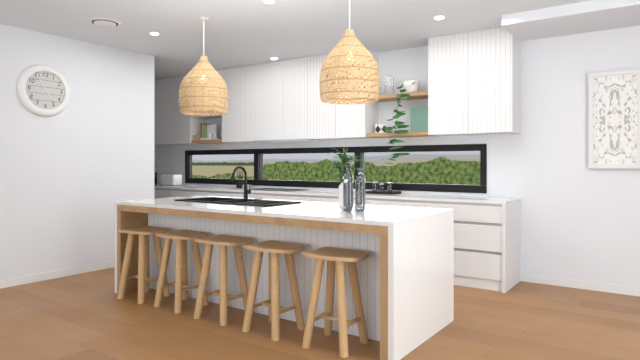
4:55
